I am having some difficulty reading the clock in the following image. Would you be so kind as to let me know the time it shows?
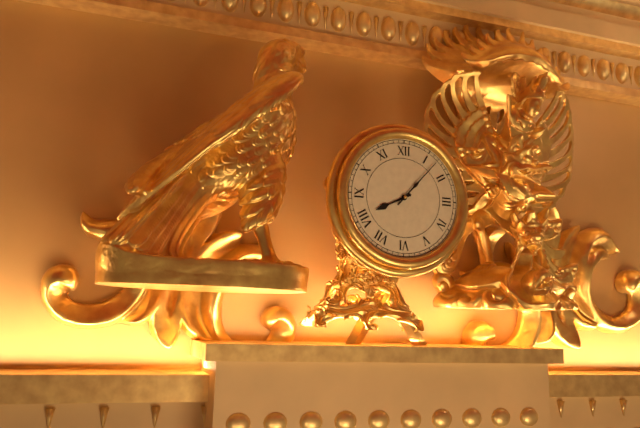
8:07
